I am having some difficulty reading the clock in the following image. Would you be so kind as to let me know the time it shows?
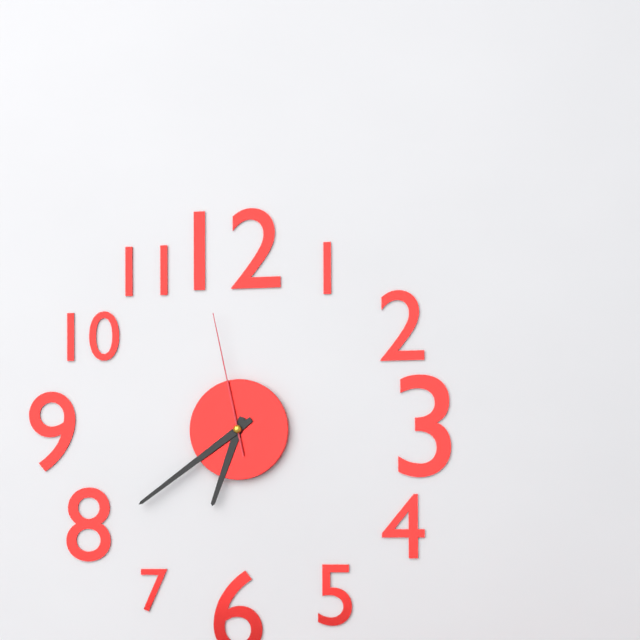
6:39:58
